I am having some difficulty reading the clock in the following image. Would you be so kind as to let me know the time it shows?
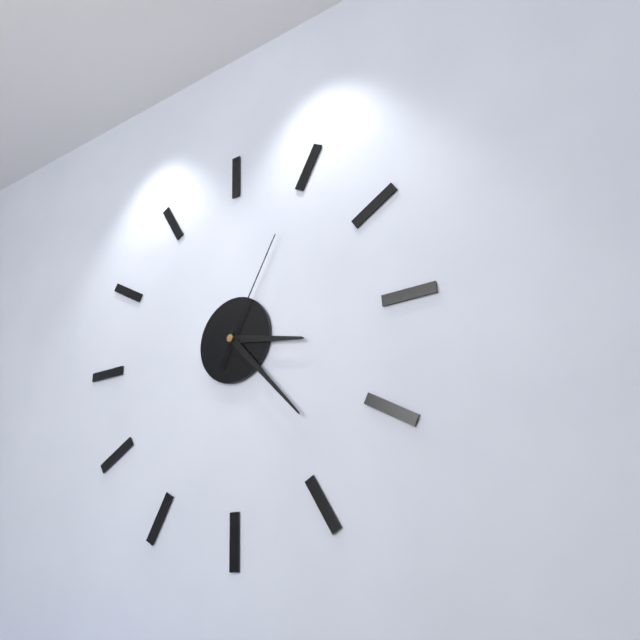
3:23:05
